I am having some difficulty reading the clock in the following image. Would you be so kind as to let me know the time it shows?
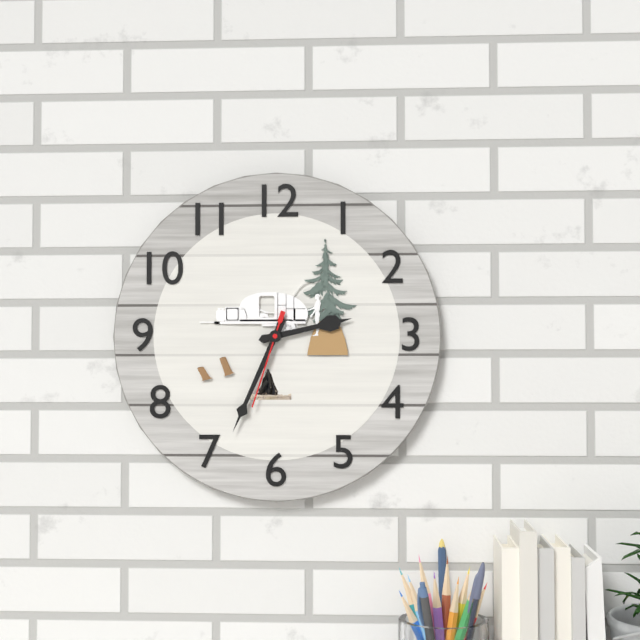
2:34:33
